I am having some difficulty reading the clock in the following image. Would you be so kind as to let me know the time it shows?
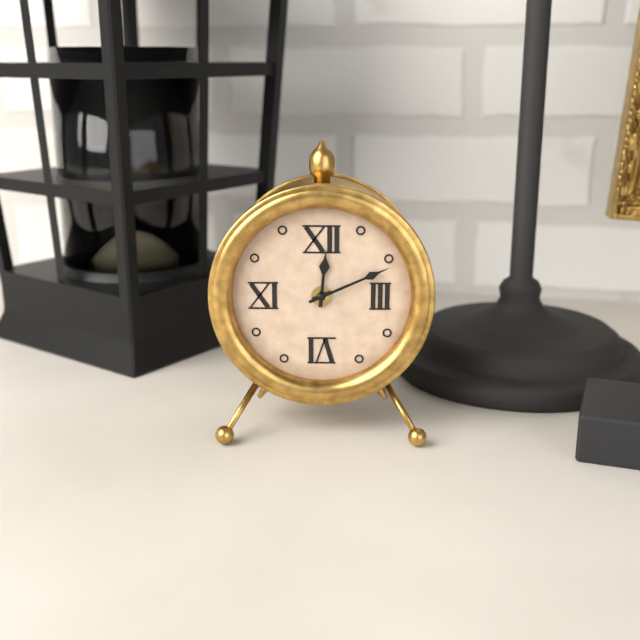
12:11
